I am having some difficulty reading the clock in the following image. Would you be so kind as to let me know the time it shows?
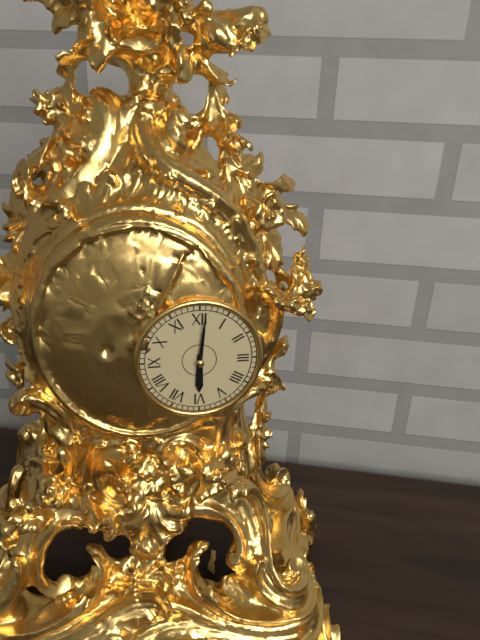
6:01
